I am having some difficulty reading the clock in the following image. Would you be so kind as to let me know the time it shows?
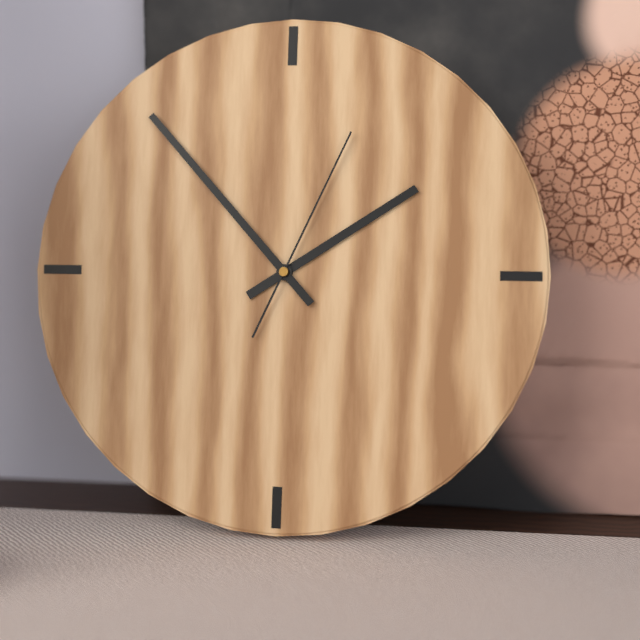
1:53:04
